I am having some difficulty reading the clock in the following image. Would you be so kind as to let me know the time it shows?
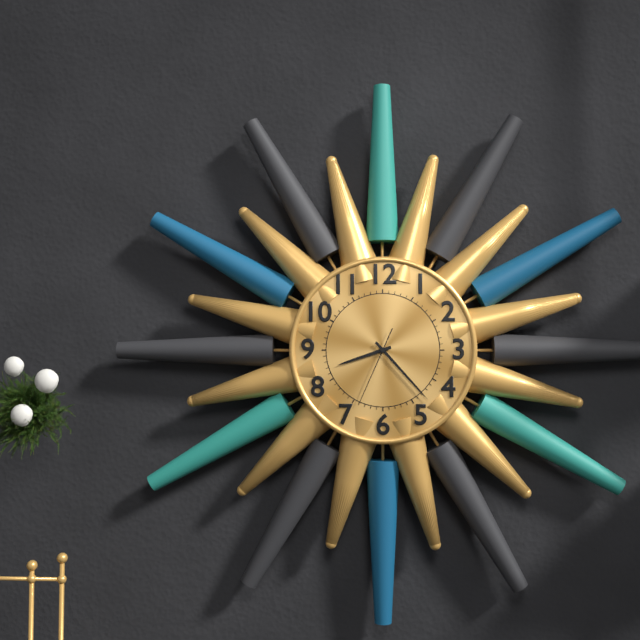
8:23:34
